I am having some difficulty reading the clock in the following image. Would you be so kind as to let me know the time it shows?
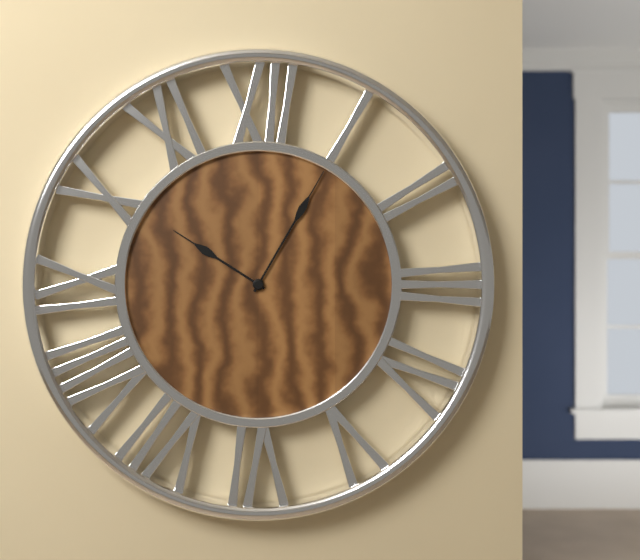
10:05
